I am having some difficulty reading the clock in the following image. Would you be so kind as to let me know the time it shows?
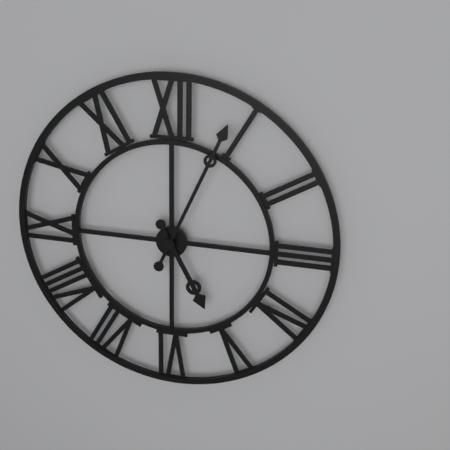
5:04
